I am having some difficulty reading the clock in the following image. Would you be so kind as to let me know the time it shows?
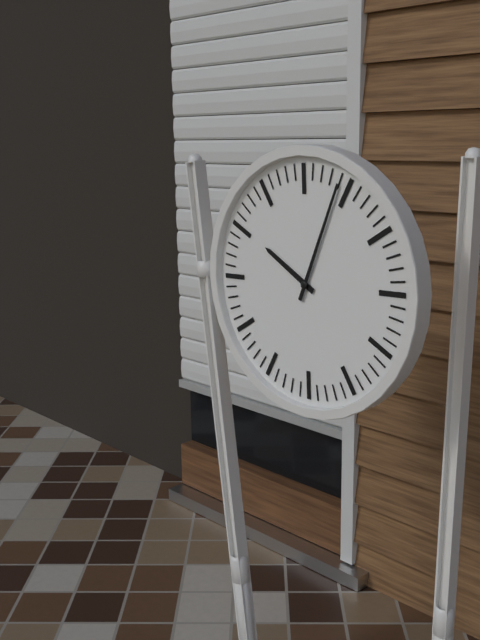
10:04
